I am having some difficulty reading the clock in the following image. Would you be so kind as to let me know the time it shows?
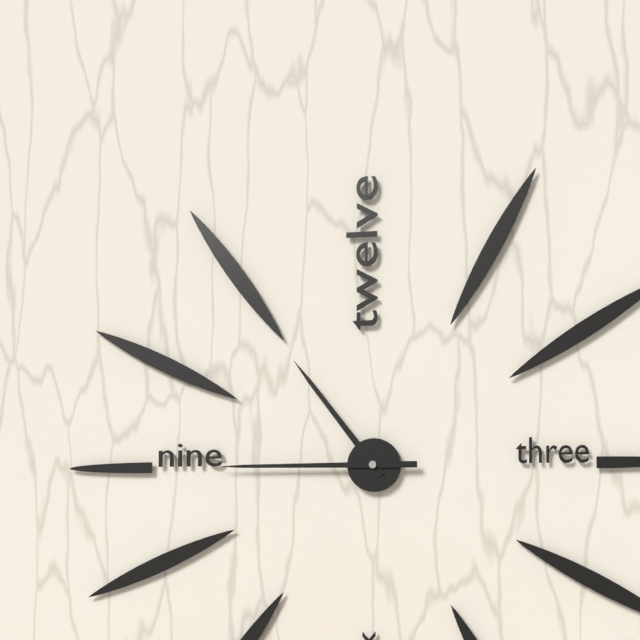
10:45
